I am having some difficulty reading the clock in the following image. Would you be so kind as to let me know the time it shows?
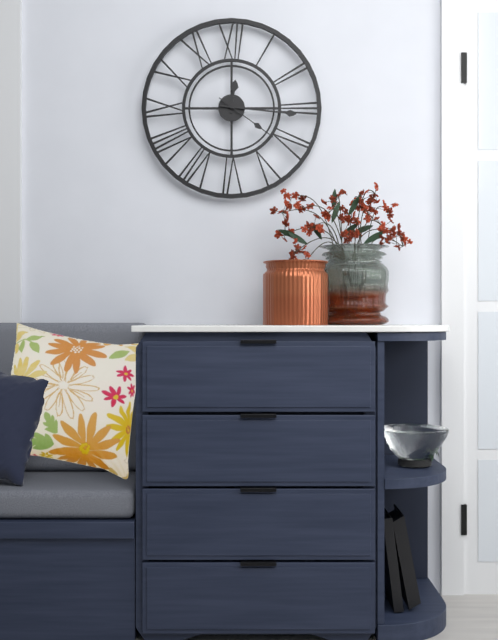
12:16:21
